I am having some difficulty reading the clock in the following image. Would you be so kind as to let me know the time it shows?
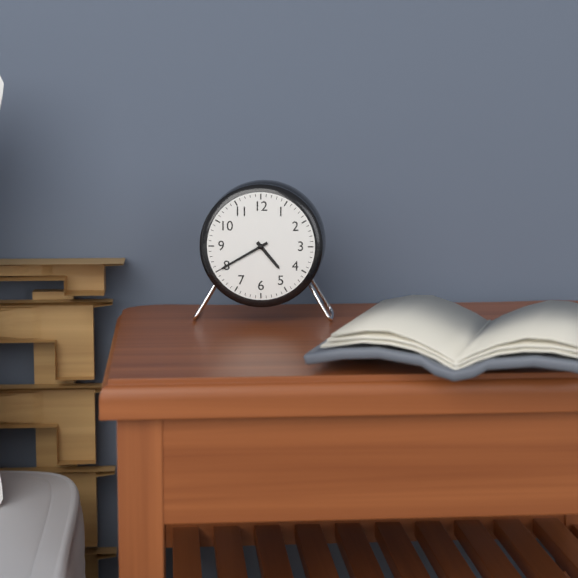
4:40
